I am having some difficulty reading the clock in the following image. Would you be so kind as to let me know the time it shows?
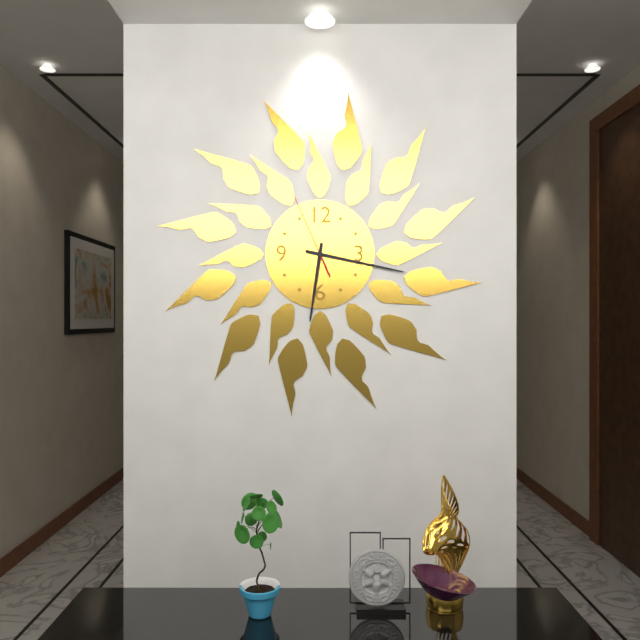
6:17:56
